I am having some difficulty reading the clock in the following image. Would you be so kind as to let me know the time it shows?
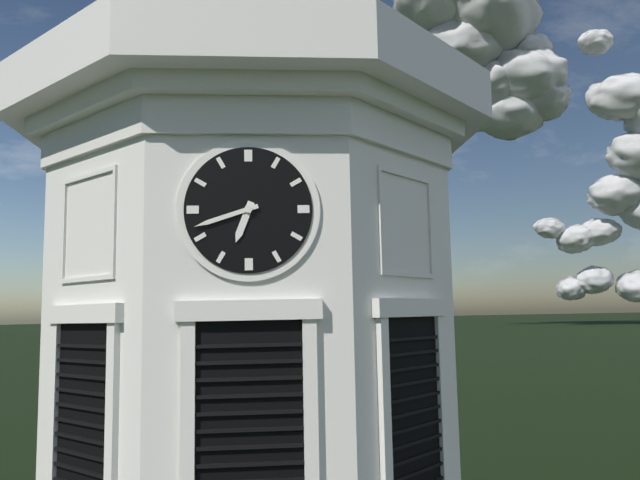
6:42
